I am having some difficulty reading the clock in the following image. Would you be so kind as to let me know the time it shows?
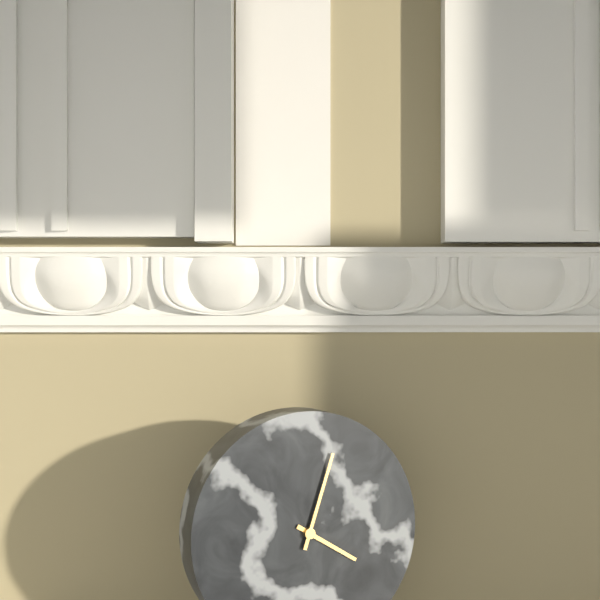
4:03
